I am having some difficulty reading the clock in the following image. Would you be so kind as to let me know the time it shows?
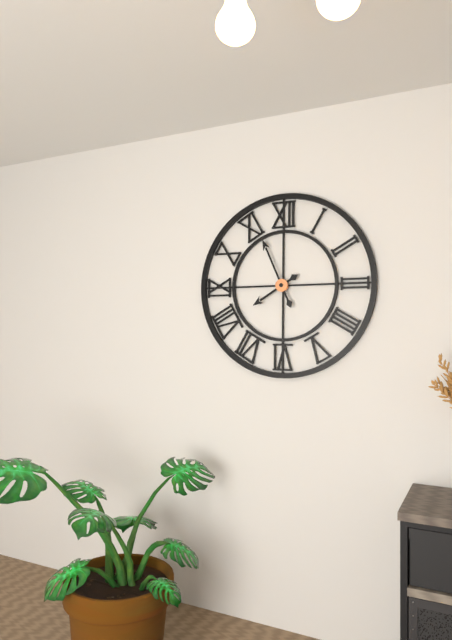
7:56
